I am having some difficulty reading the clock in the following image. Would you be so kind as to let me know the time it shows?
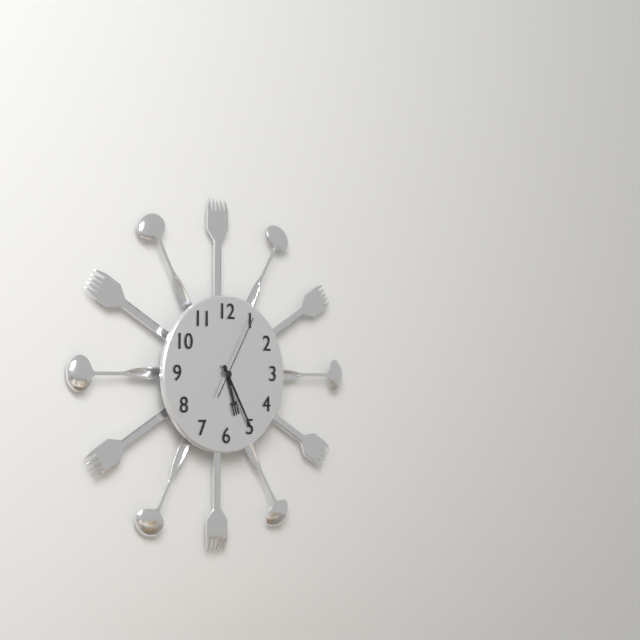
5:25:05
